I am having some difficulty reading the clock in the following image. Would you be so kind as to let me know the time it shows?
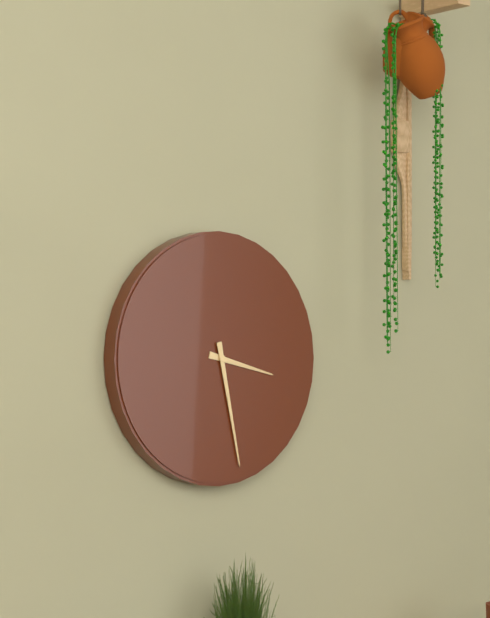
3:28
